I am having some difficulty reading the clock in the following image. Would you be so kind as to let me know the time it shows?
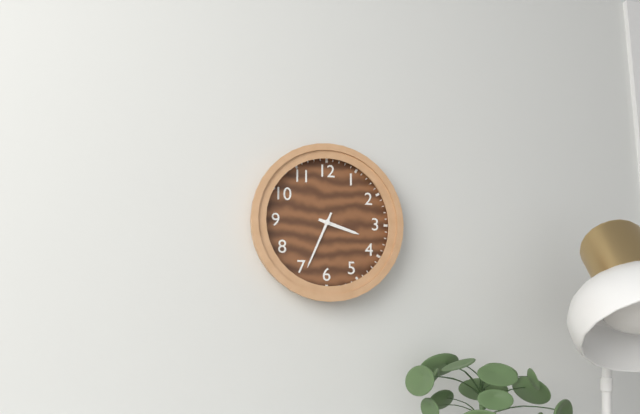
3:34
